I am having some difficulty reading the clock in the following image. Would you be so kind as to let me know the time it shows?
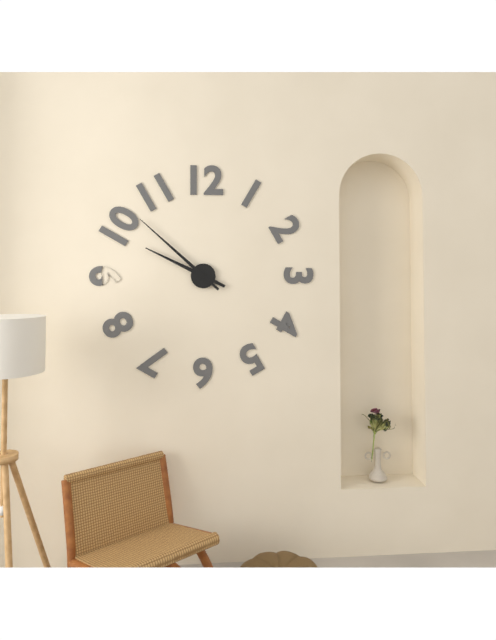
9:52
